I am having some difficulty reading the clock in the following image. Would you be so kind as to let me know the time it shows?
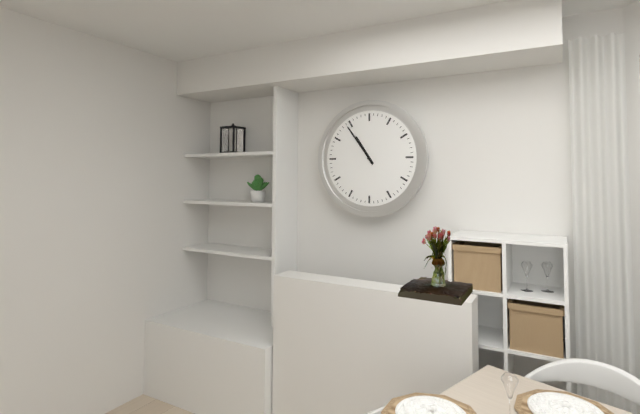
10:54
